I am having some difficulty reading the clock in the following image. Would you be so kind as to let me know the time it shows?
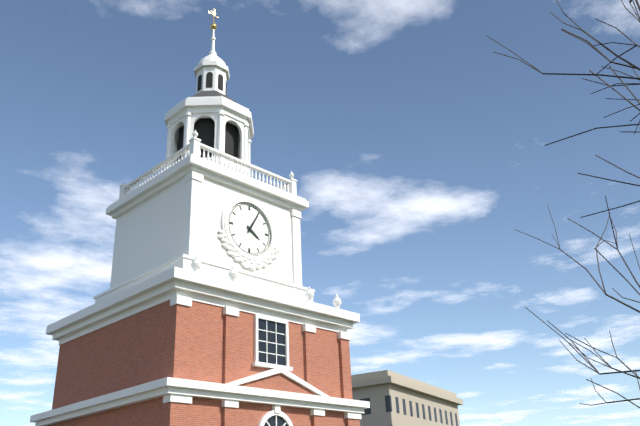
4:05
